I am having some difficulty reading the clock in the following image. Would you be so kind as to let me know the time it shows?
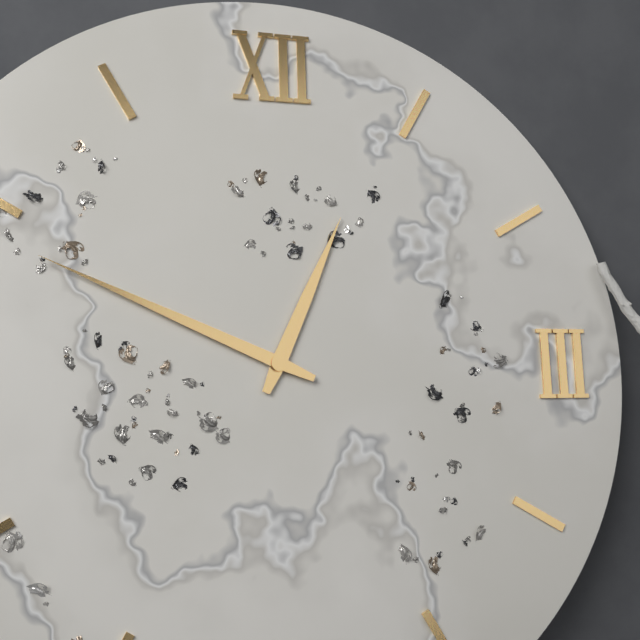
12:49
